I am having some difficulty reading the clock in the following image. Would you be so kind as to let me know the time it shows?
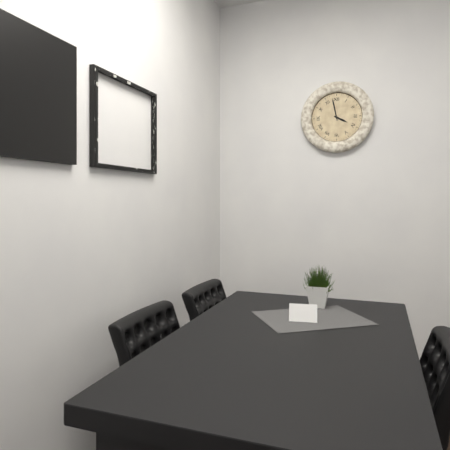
3:58
